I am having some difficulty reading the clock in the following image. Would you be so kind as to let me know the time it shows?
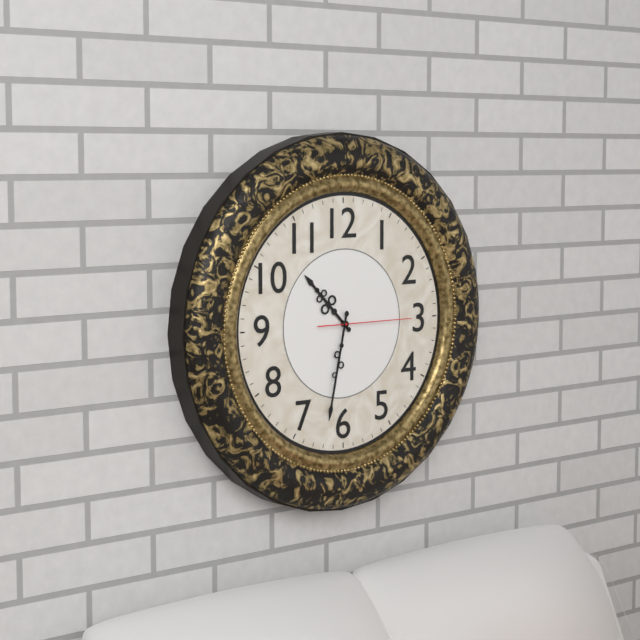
10:32:15
